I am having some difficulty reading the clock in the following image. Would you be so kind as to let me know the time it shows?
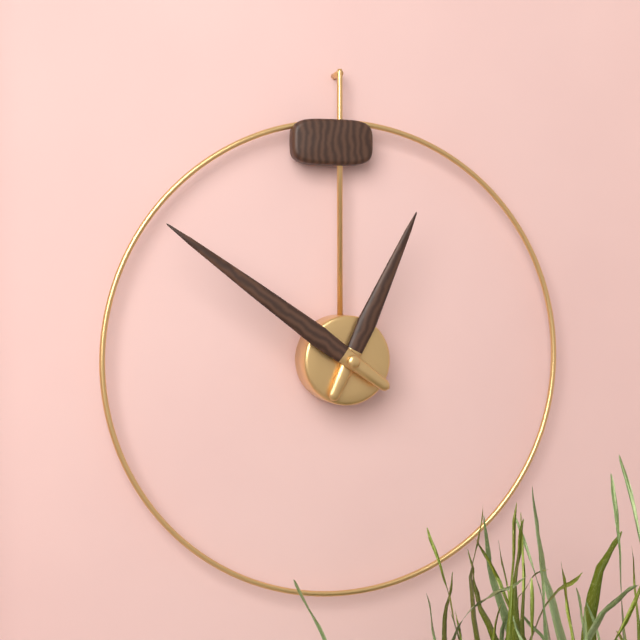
12:51
